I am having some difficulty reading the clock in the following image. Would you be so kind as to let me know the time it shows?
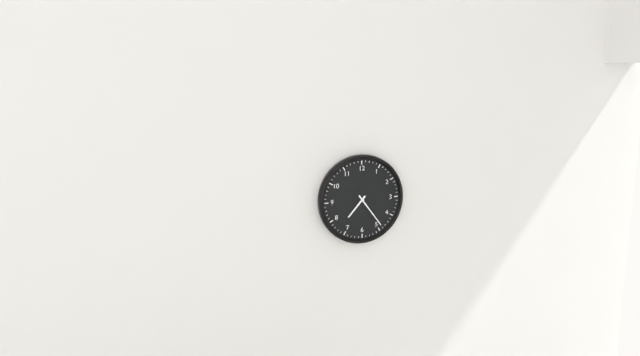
7:24
